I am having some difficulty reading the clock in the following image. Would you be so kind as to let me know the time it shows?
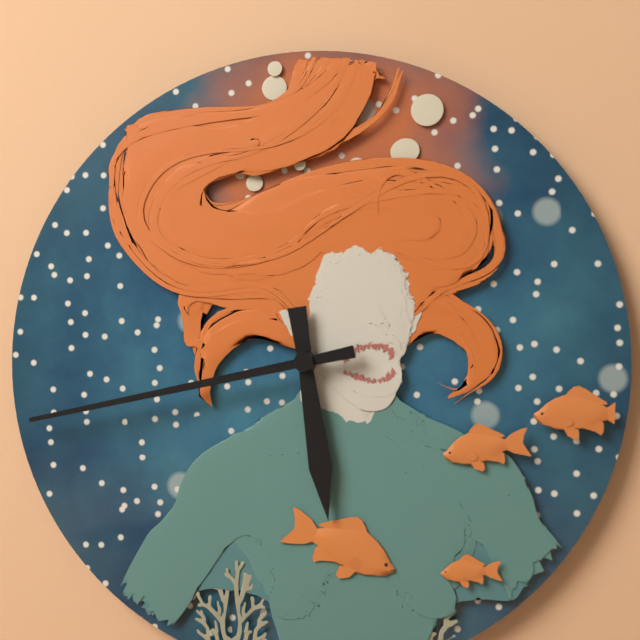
5:43
